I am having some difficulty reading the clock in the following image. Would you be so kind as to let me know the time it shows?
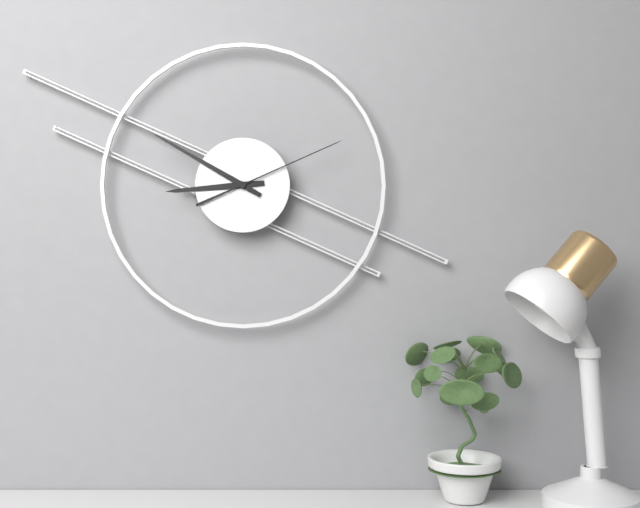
8:50:11
